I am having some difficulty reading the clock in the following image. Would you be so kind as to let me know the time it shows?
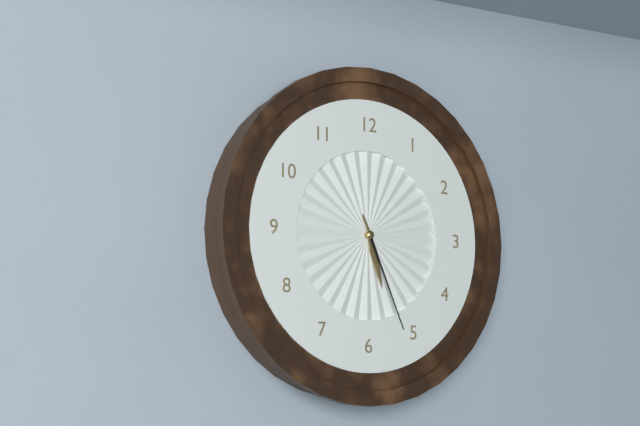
5:26
